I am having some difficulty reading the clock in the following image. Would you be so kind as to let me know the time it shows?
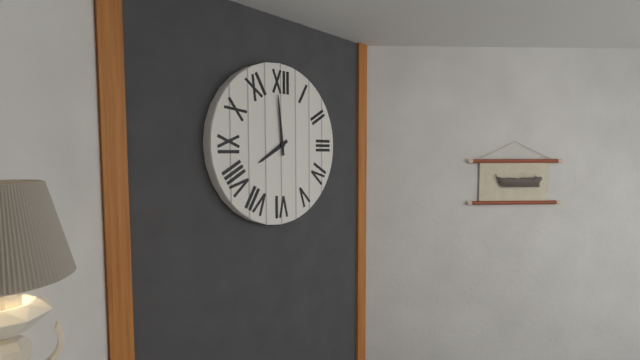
7:59
